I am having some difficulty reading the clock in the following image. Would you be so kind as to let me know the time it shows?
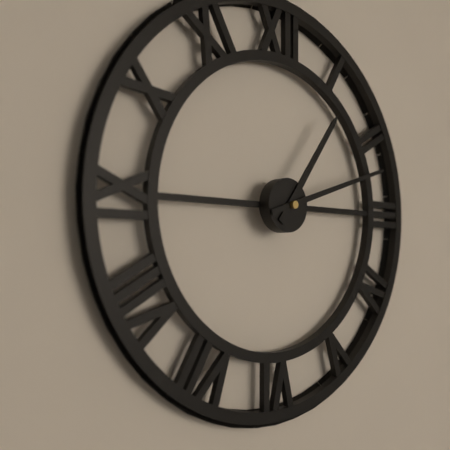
1:12
